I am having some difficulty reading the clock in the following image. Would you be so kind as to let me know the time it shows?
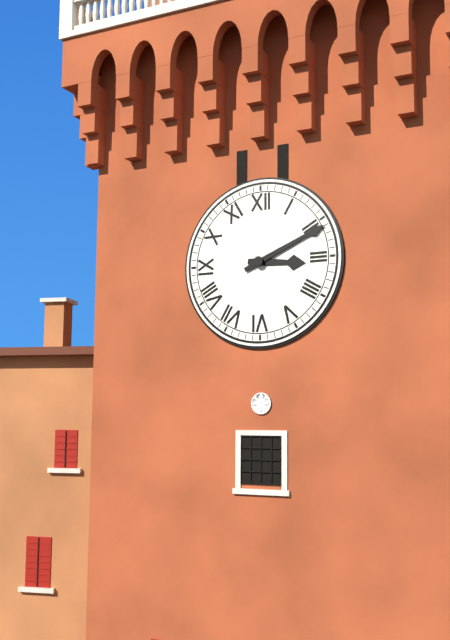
3:11
